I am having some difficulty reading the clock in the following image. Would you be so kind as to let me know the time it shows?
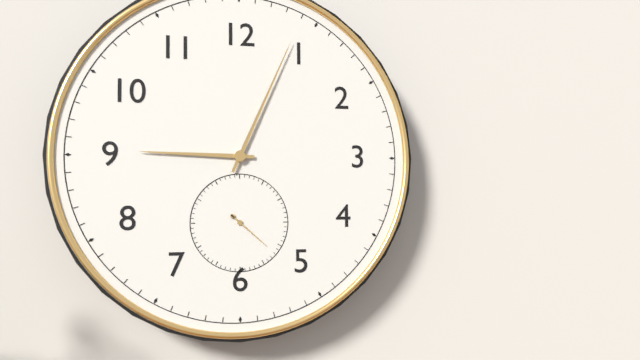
9:04
